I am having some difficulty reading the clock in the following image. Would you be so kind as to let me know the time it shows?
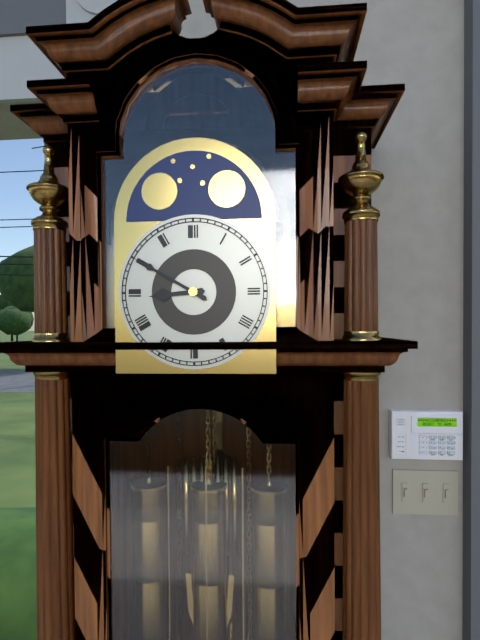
8:50
